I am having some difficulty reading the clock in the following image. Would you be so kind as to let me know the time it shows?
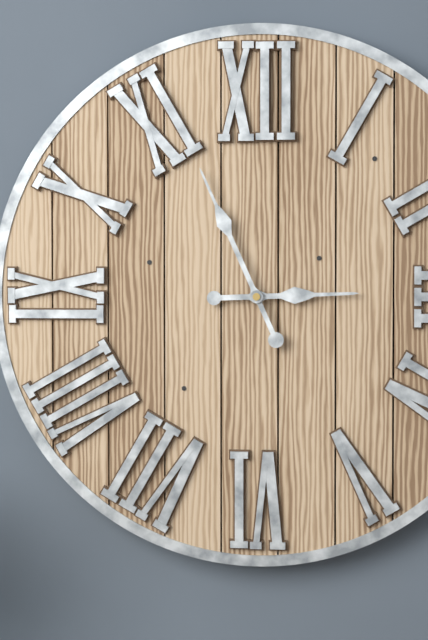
2:56
